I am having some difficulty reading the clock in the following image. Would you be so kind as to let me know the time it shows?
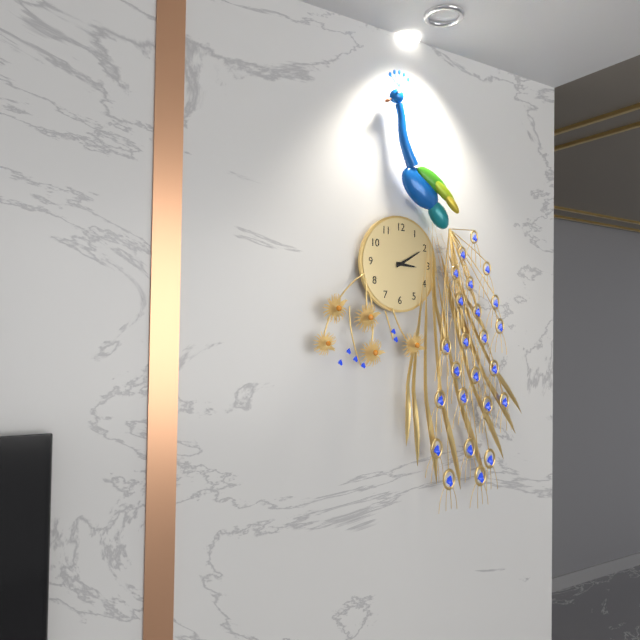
3:10
